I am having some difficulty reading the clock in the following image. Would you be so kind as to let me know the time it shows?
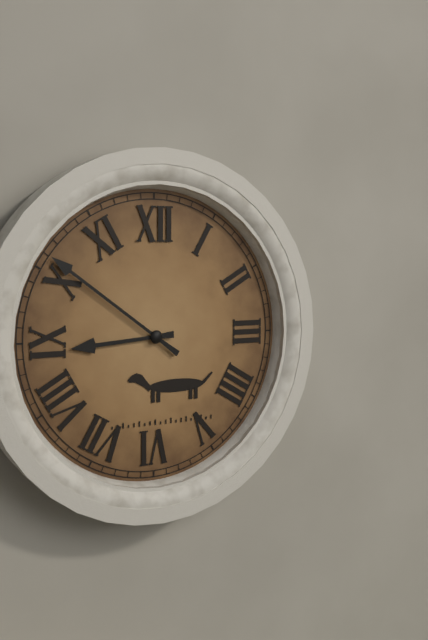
8:51
